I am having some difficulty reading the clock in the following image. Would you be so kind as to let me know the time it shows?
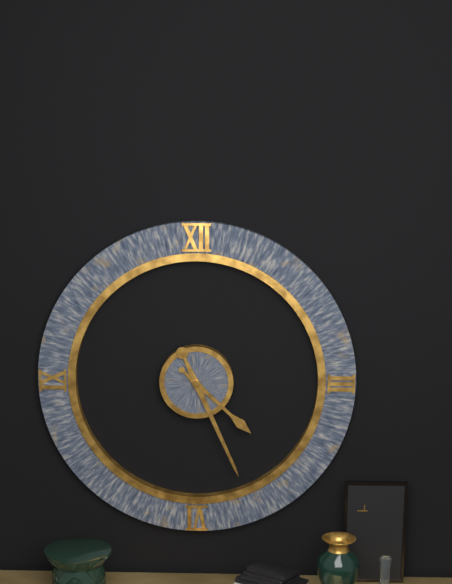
4:26
